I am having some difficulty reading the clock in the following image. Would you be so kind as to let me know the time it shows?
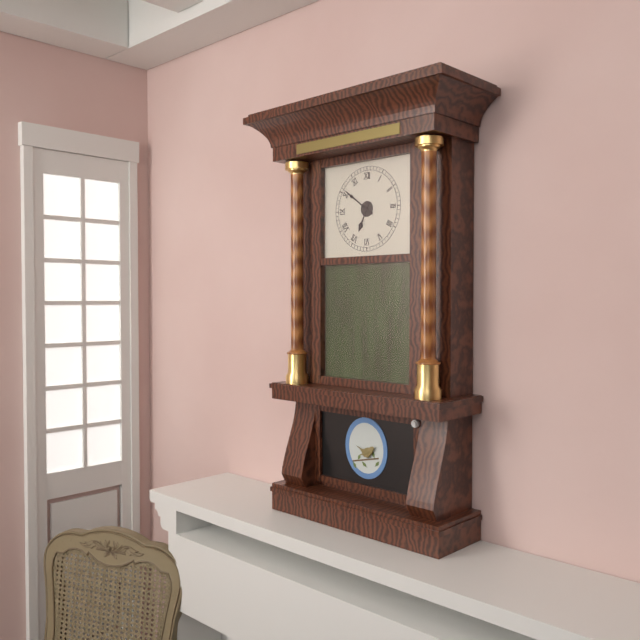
6:51
